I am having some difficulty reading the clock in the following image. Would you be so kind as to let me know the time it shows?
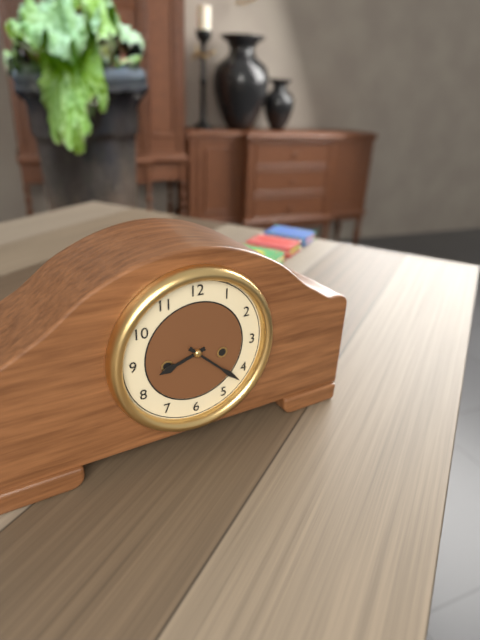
8:22
